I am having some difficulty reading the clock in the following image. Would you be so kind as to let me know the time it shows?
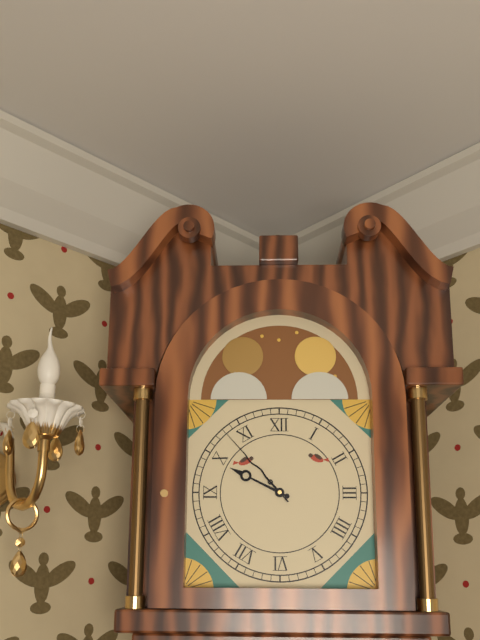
9:53
